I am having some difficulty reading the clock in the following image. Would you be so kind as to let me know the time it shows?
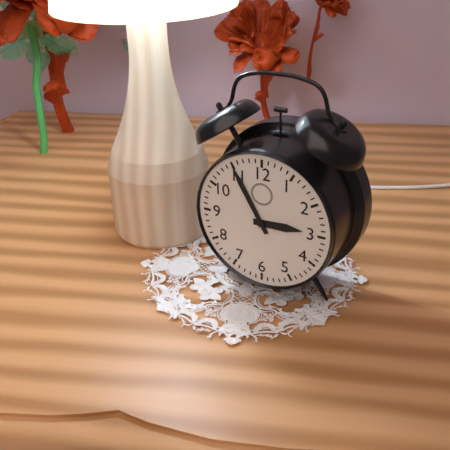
2:55
